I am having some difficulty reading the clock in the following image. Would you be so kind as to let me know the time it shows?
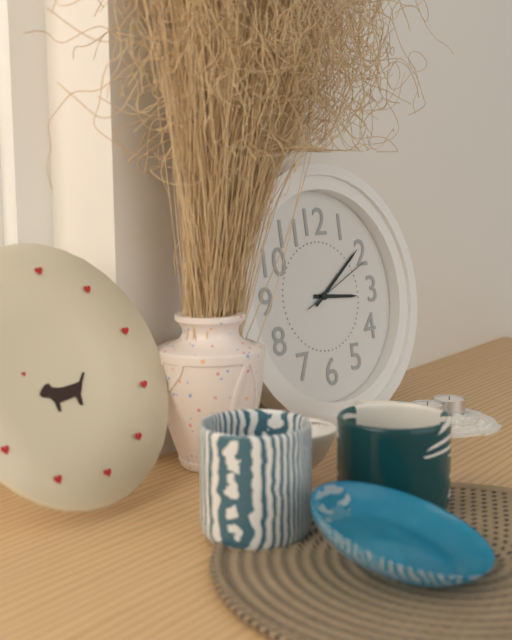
3:09:11
